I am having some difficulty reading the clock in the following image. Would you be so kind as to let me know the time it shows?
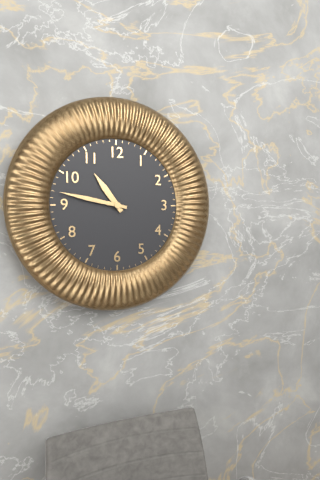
10:47
